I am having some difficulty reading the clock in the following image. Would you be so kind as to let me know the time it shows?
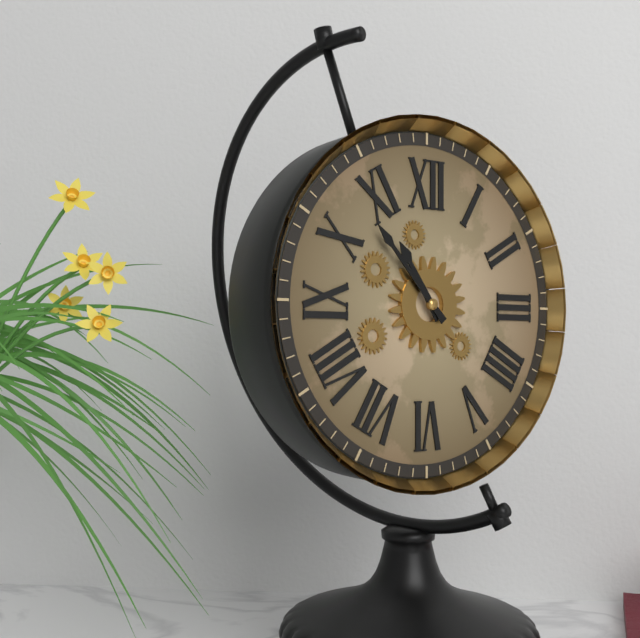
10:53
